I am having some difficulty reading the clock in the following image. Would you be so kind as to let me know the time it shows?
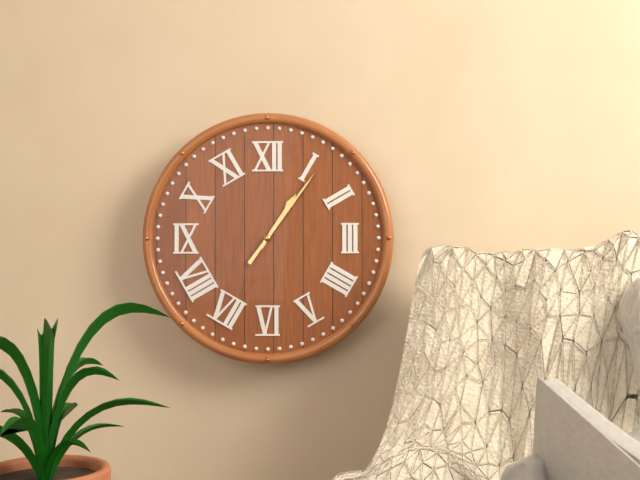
1:06
